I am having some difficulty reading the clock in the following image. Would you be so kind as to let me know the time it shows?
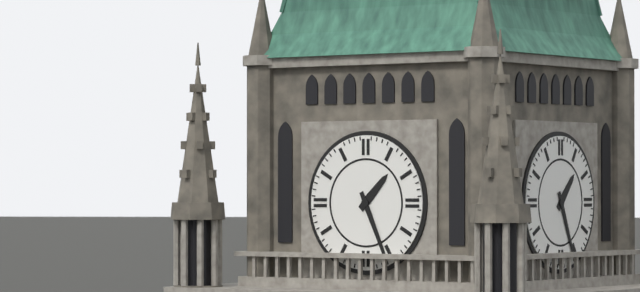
1:26
